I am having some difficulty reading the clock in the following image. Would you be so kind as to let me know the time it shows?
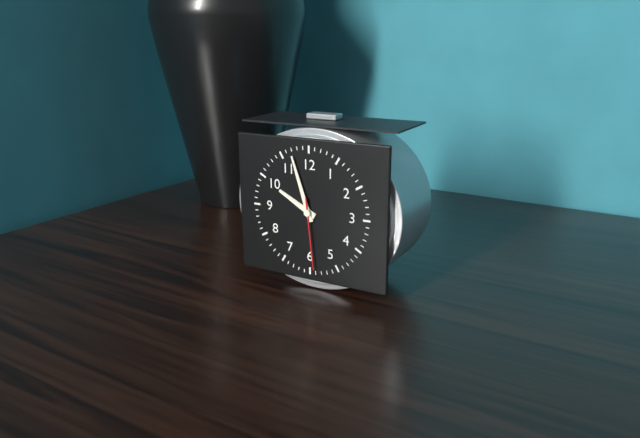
9:57:29
